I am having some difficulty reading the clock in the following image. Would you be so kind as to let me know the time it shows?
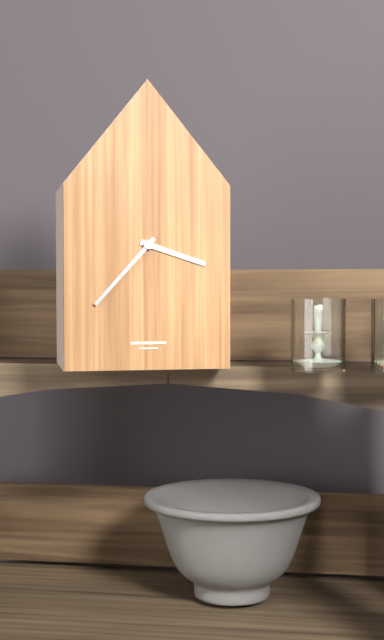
3:37
